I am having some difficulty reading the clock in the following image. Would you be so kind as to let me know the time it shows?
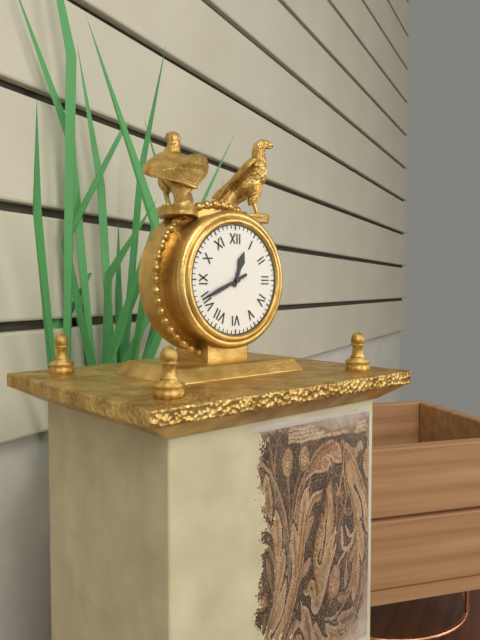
12:41
